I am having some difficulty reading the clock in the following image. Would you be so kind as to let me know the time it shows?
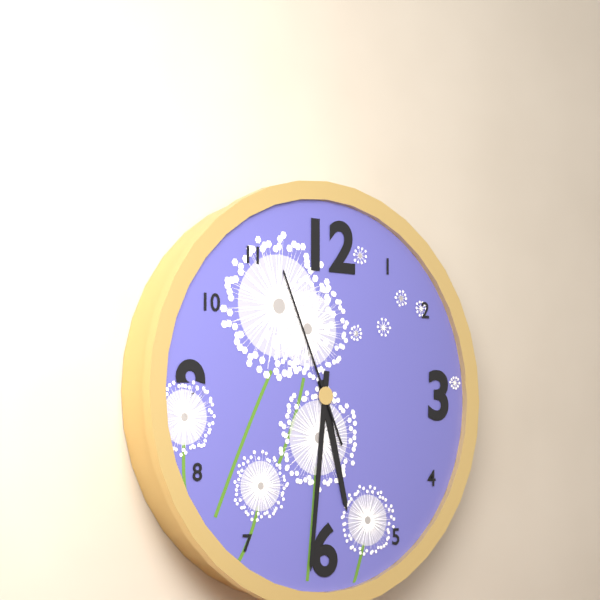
5:31:56
